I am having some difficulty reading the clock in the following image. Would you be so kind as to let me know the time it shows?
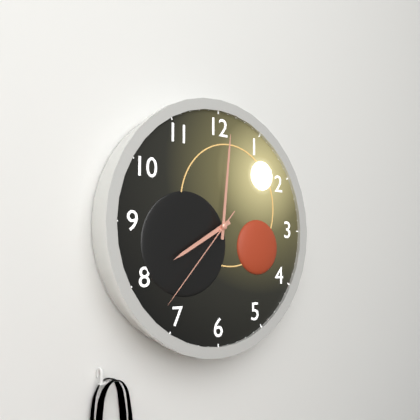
8:01:37
